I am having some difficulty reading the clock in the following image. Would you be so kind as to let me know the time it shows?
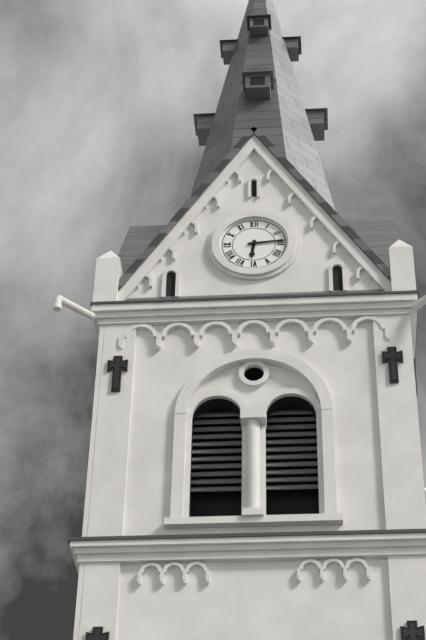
6:14
